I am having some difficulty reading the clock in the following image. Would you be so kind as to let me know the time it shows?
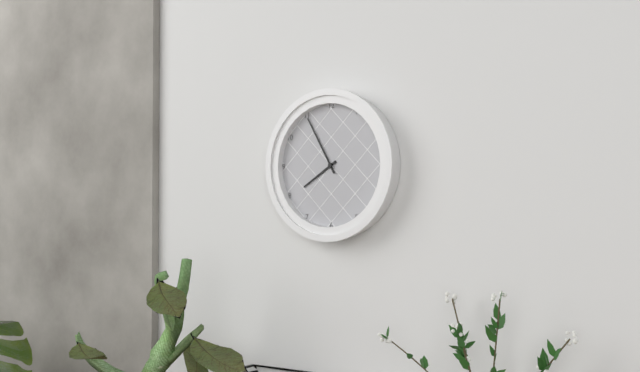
7:55
